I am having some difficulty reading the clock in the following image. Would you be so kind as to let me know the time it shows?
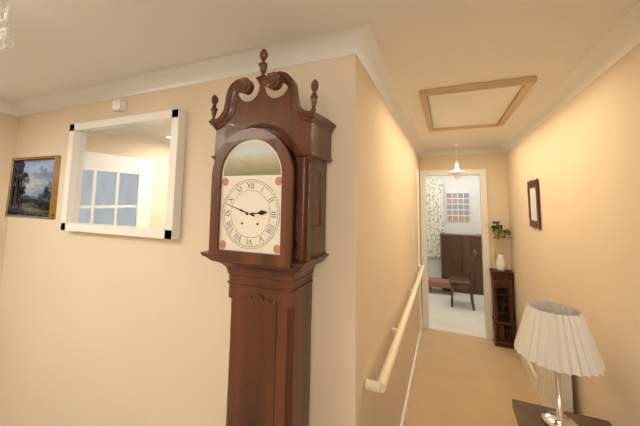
2:48
